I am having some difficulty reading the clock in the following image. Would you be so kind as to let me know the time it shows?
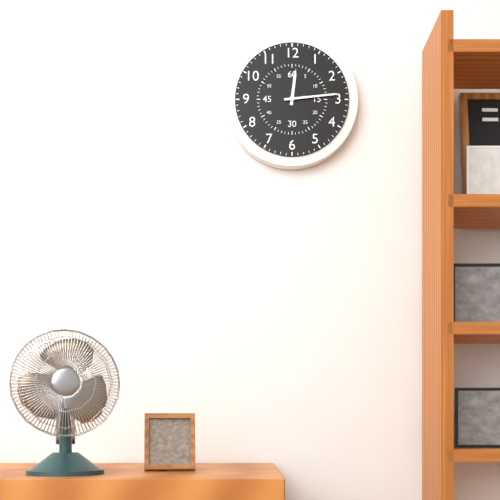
12:14
